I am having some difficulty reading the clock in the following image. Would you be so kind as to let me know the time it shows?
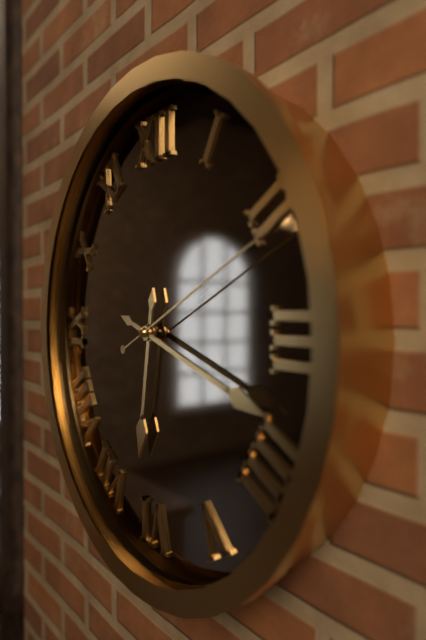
6:18:11
